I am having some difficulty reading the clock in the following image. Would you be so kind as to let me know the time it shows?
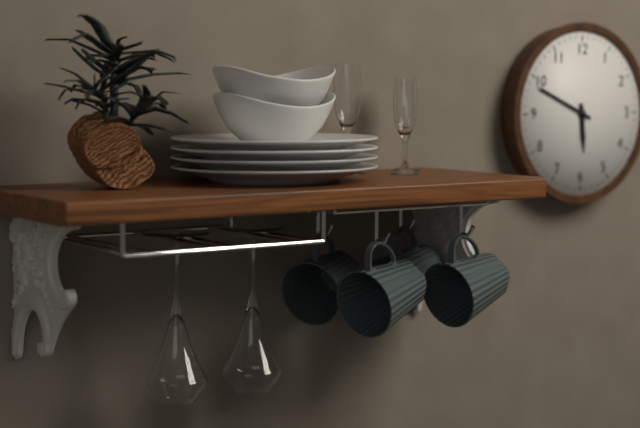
5:49
